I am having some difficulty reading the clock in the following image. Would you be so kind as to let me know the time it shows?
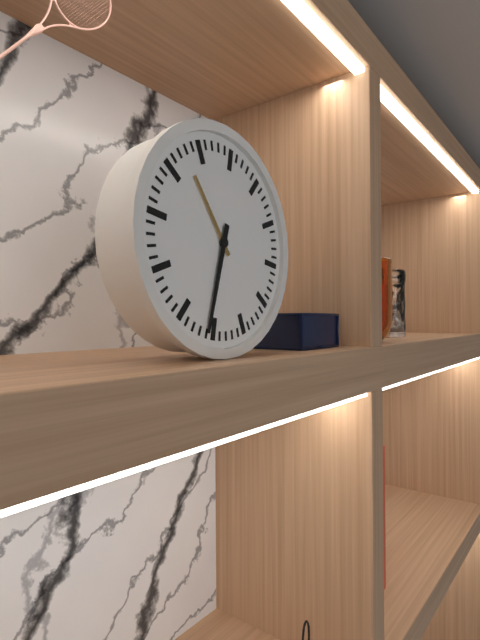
10:31
